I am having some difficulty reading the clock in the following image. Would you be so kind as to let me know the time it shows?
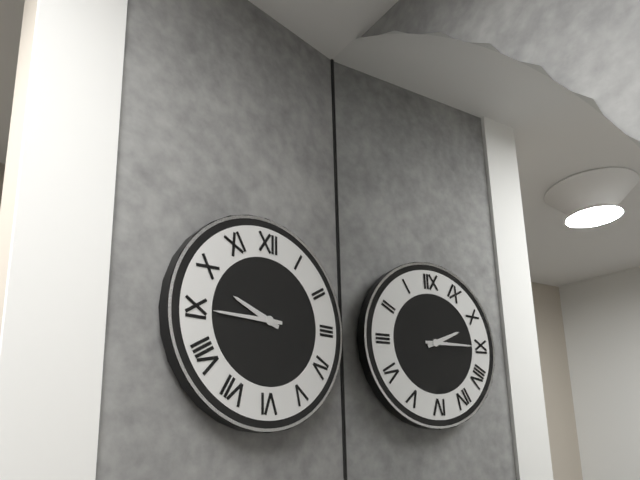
9:45
